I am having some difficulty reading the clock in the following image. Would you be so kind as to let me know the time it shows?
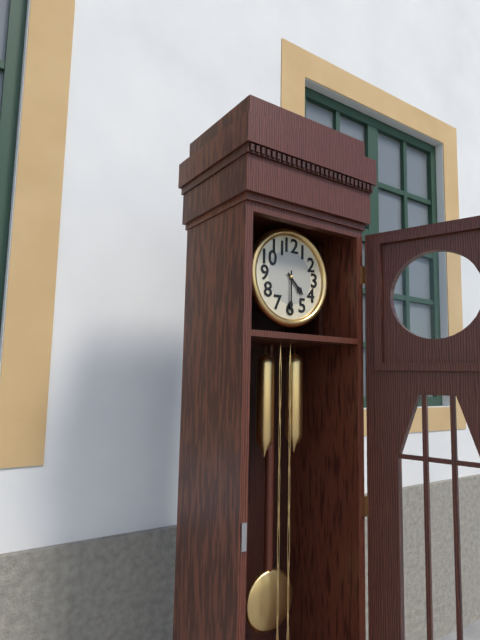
4:30
